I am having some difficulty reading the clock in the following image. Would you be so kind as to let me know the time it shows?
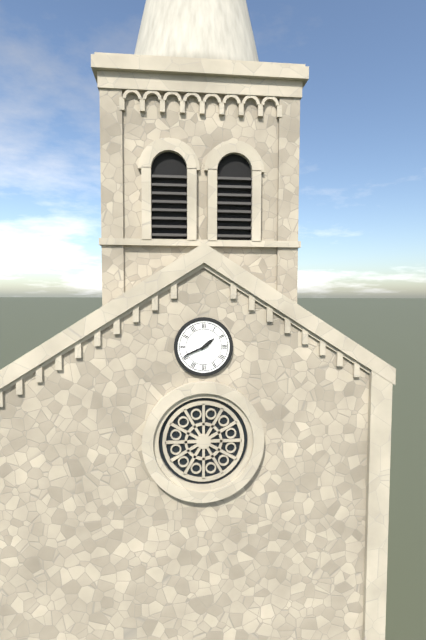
1:41
